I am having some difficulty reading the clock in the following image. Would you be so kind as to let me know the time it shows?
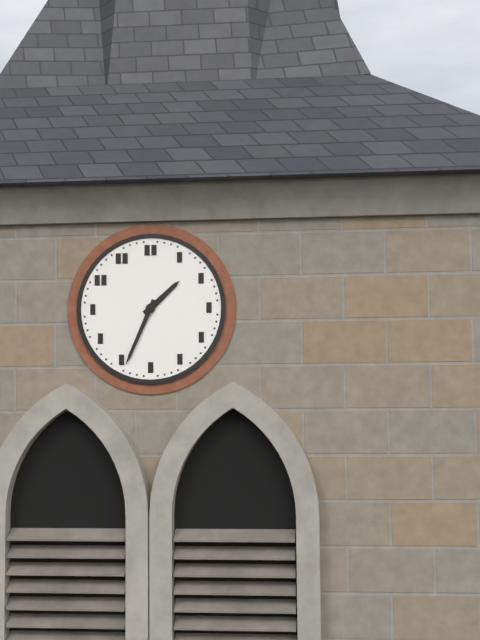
1:34
